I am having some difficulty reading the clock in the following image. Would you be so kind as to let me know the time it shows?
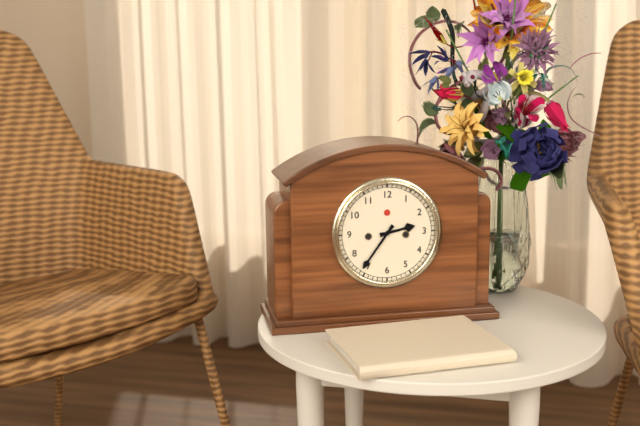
2:36
